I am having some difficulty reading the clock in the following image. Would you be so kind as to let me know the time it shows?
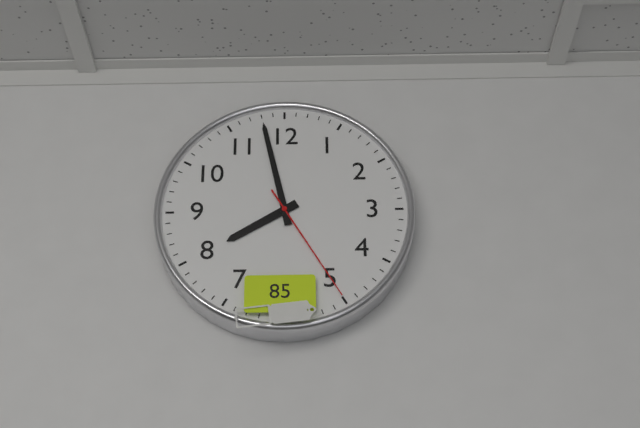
7:58:25
